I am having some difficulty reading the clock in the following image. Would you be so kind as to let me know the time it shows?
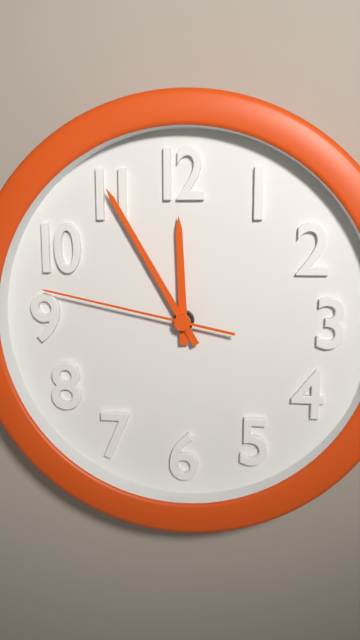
11:55:47
